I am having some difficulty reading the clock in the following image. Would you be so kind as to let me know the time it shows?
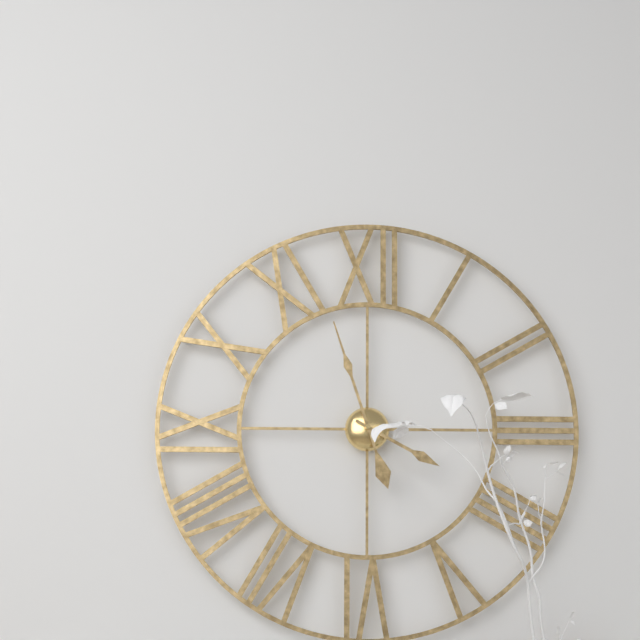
3:57
